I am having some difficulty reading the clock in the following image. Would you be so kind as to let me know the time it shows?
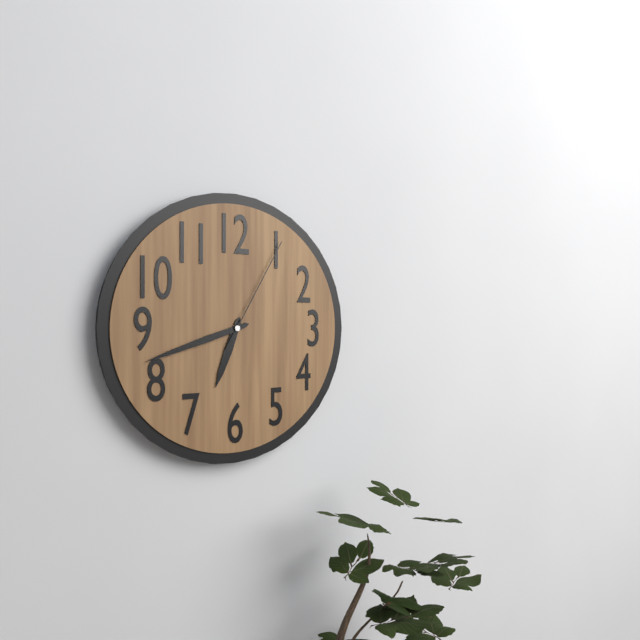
6:42:05
